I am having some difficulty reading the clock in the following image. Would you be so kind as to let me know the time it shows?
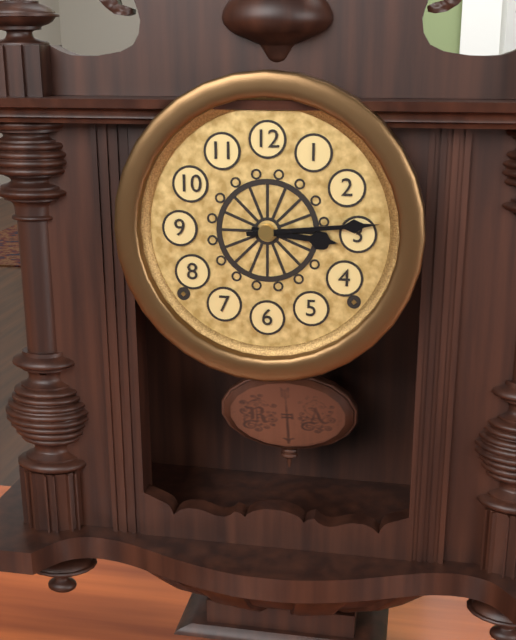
3:14
